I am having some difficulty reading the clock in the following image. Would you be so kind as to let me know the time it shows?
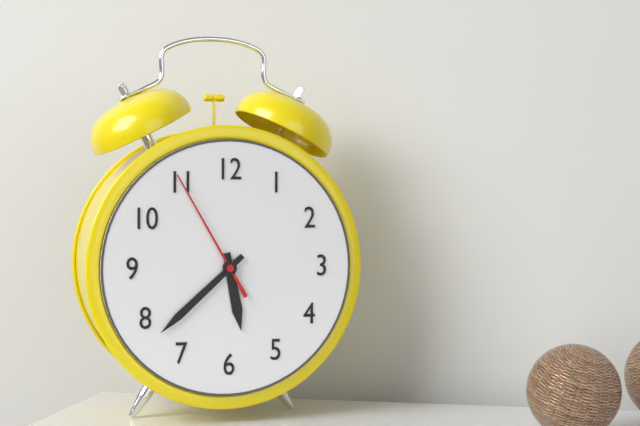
5:38:55
